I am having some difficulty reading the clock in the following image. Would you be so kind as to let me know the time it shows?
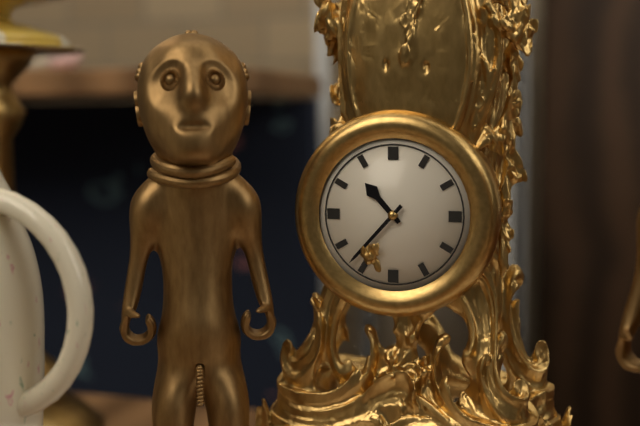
10:37
